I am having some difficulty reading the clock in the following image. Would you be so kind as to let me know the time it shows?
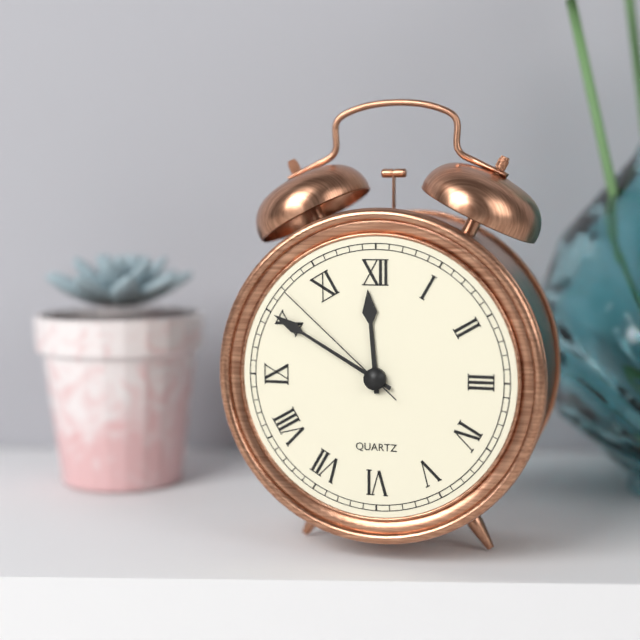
11:50:52
